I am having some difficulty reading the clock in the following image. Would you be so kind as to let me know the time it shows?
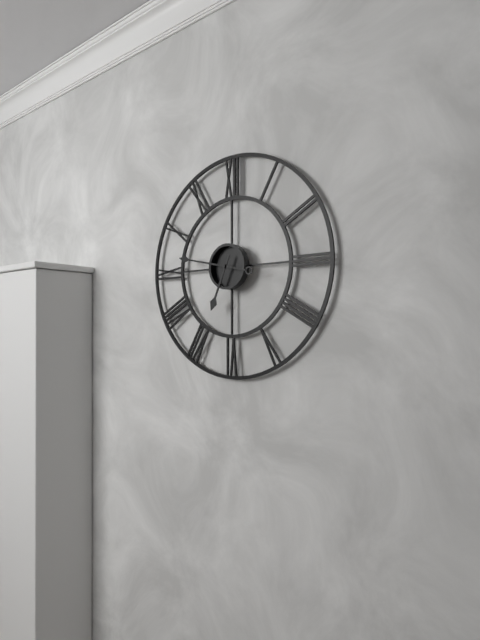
6:47
